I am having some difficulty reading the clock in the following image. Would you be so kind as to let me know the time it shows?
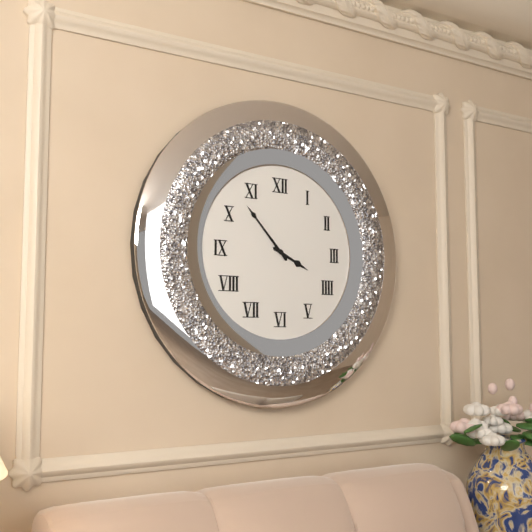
3:53
